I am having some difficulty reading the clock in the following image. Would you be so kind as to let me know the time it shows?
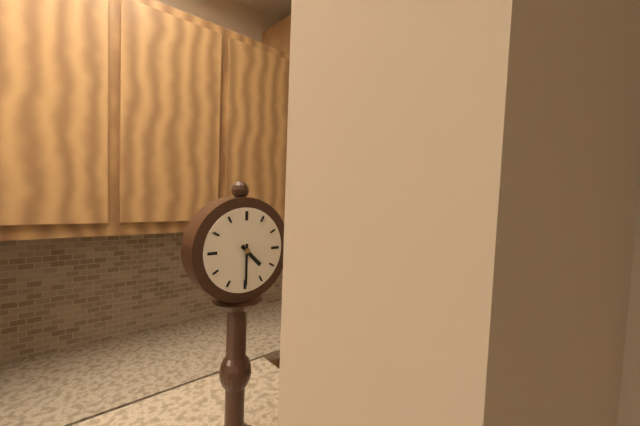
4:30
